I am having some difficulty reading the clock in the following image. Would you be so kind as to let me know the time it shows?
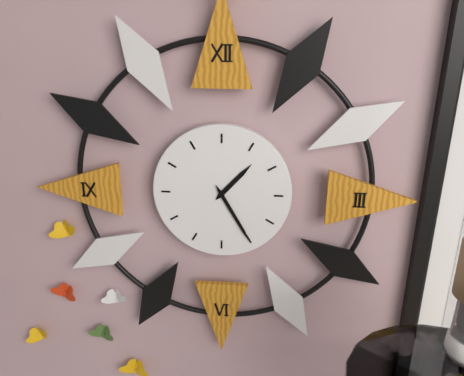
1:25
